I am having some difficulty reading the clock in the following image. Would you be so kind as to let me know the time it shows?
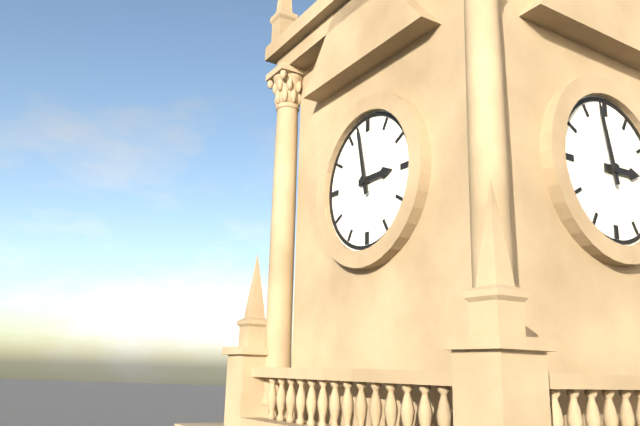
2:58
